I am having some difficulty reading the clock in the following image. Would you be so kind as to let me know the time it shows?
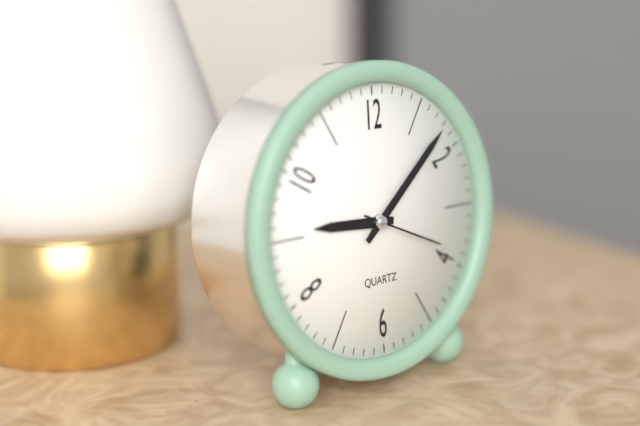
9:08:19
